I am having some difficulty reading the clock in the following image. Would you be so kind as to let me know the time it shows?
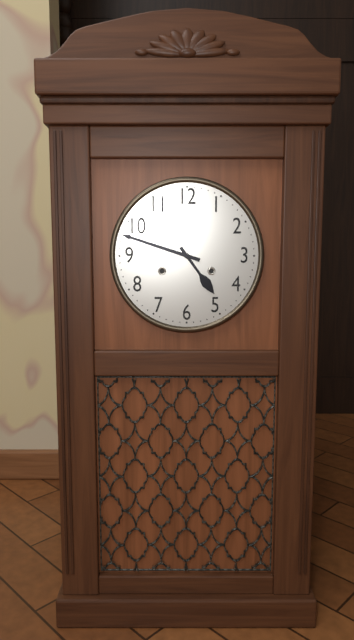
4:48
